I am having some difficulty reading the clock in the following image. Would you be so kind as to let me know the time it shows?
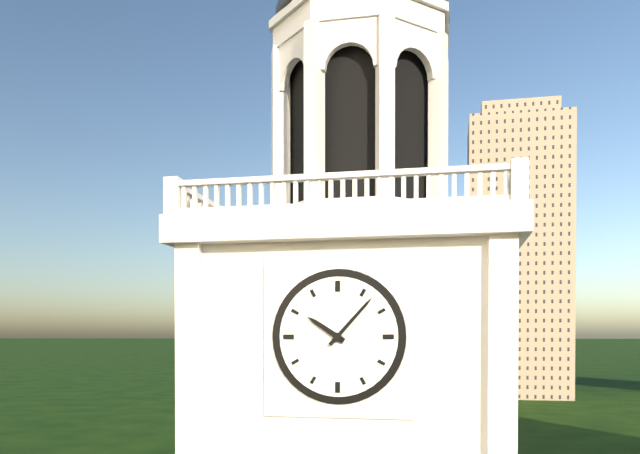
10:07
